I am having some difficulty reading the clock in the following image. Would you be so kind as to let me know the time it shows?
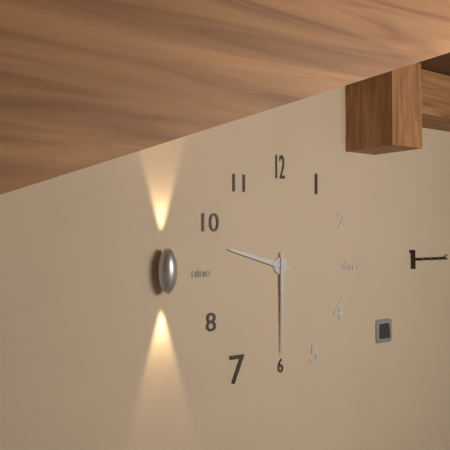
9:30
